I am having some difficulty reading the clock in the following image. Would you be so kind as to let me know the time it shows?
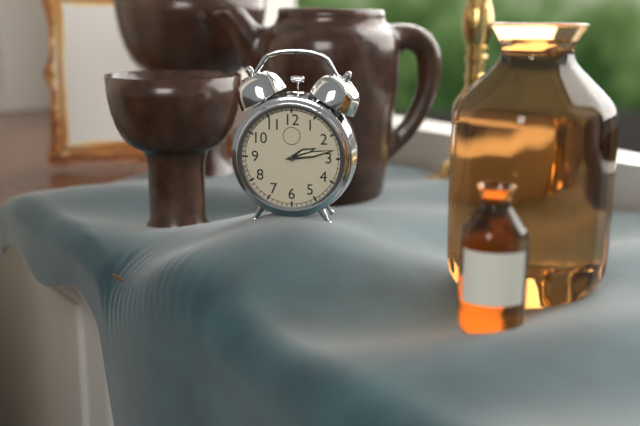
2:13
